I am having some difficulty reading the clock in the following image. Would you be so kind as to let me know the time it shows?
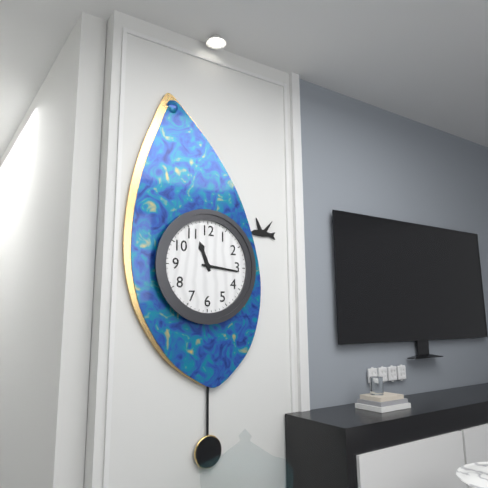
11:16
